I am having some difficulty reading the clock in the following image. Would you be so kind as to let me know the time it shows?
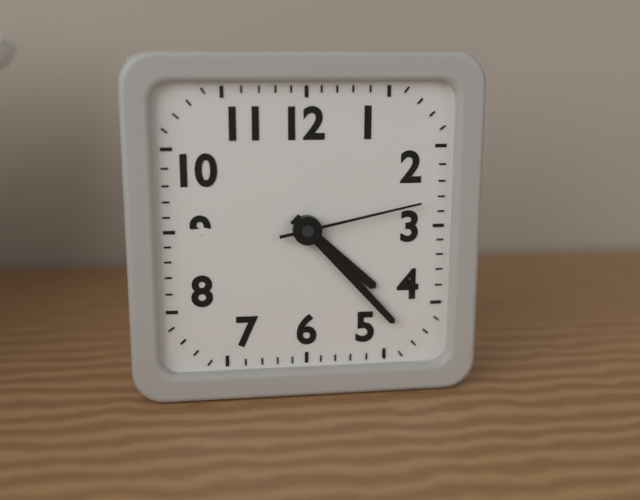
4:23:13
